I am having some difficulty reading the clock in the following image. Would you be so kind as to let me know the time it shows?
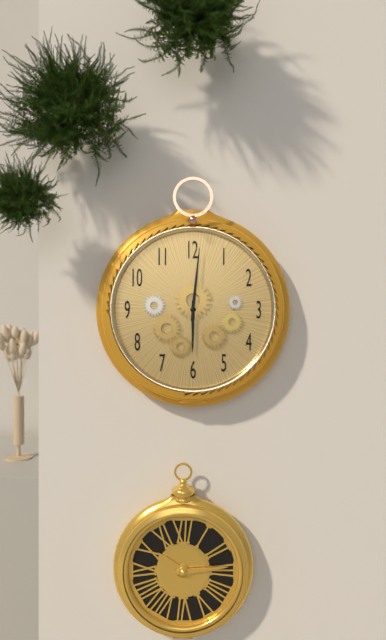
6:01
